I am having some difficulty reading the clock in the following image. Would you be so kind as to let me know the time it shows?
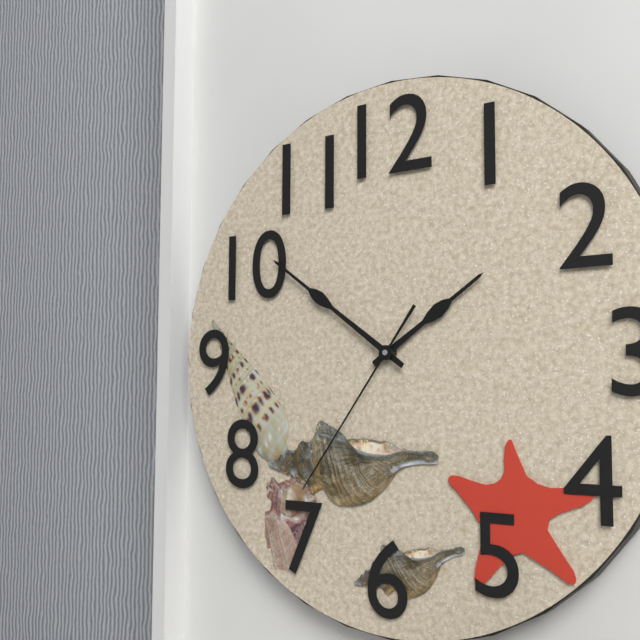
1:51:36
